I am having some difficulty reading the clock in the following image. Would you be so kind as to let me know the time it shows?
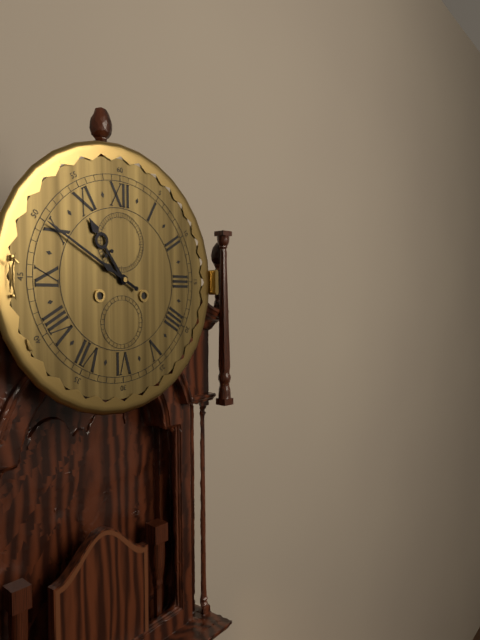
10:50
